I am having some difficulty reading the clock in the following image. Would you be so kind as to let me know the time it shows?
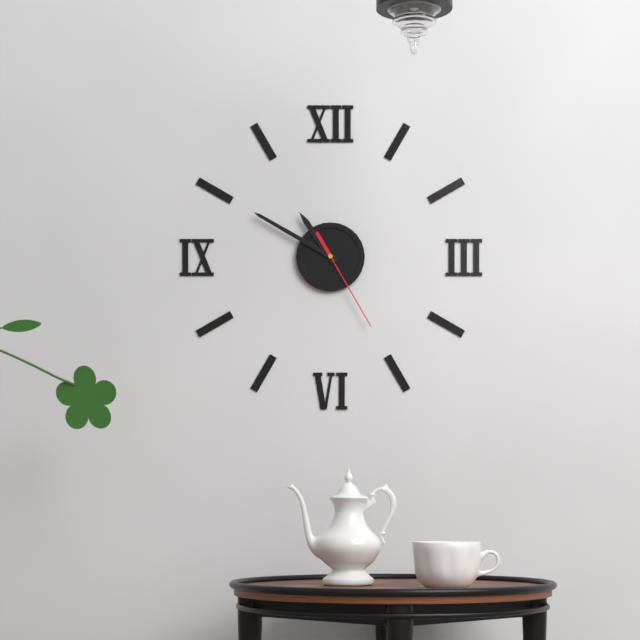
10:50:25
